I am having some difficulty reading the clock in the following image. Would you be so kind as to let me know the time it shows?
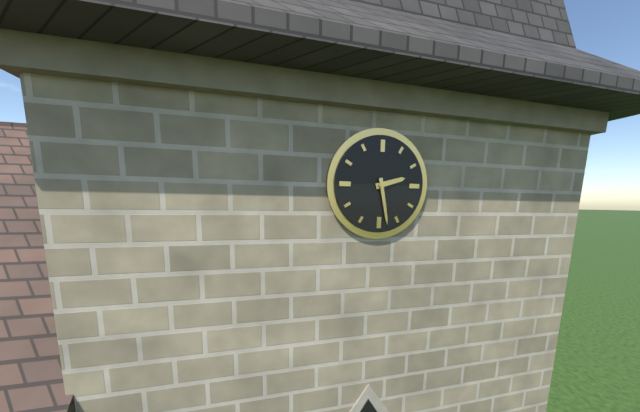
2:28
